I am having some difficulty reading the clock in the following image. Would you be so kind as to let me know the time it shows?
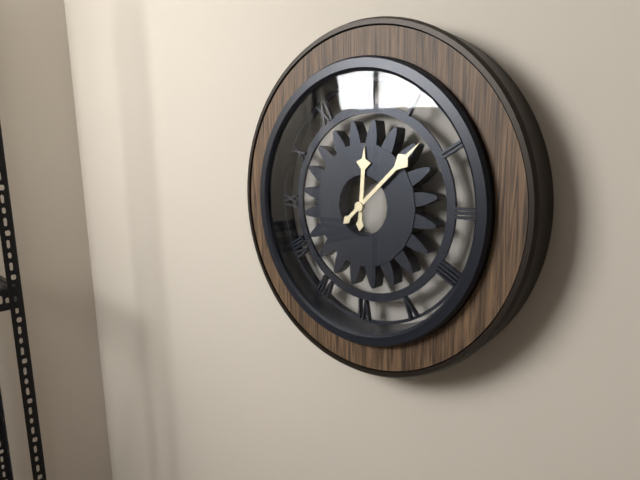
12:08
